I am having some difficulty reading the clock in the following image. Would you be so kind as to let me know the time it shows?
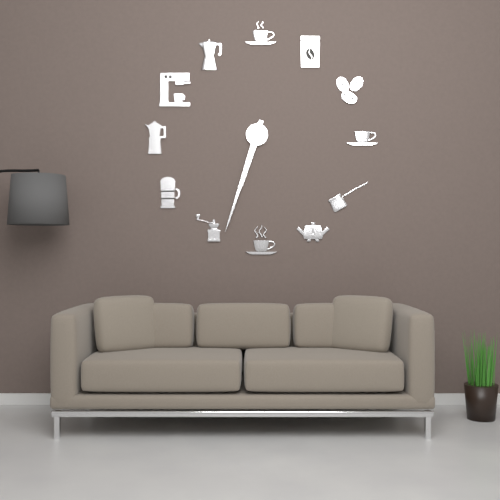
6:33
